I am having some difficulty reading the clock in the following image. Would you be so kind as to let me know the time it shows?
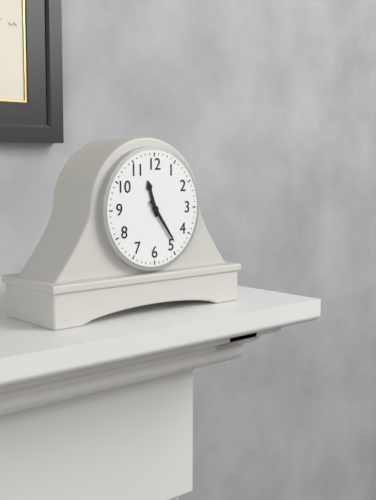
11:24
